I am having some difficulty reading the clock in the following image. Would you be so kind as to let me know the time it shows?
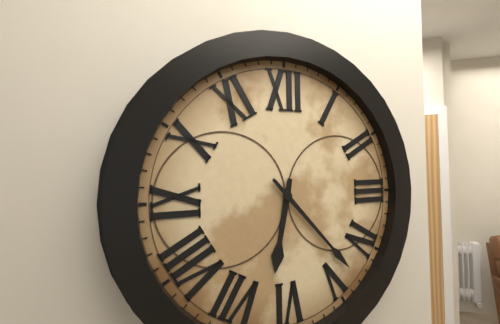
6:23
